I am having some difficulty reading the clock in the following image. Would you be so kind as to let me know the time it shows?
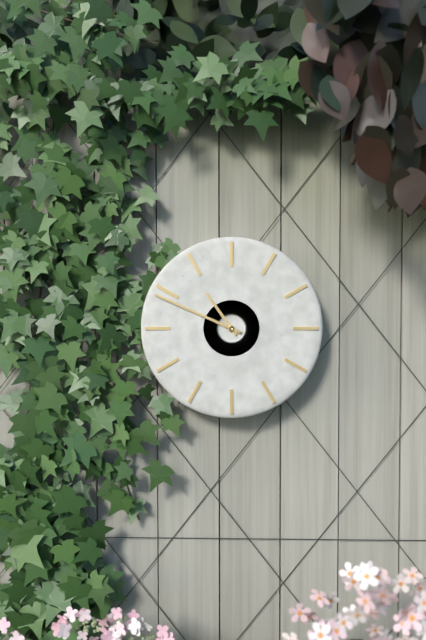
10:49
